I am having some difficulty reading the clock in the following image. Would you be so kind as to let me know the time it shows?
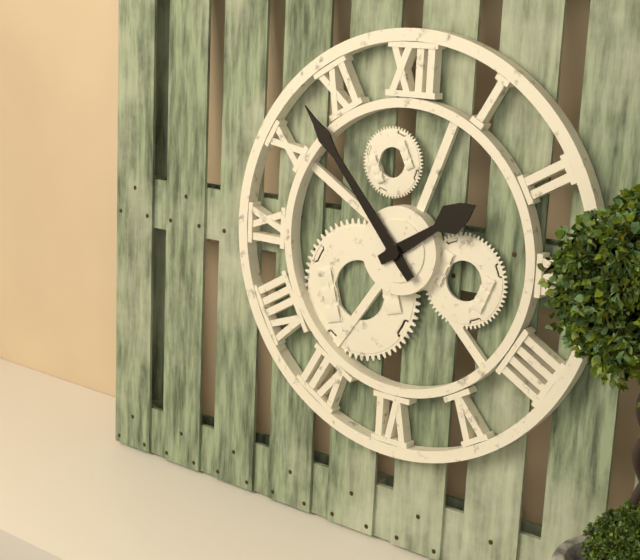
1:53
